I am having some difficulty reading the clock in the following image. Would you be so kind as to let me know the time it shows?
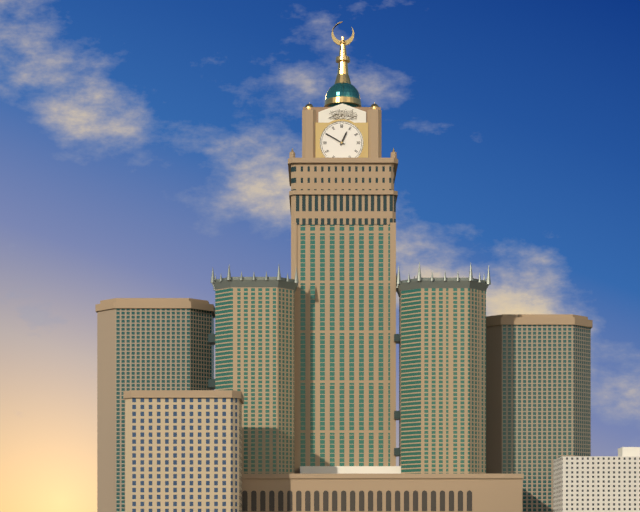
12:50
